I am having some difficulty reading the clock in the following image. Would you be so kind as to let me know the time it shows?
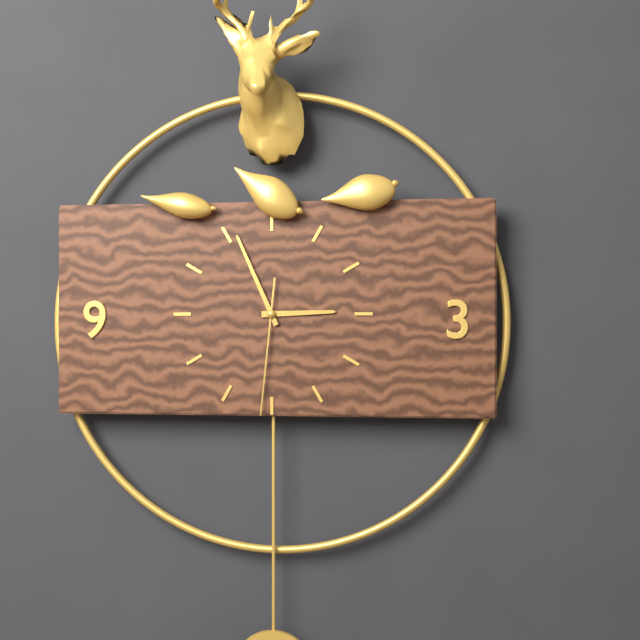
2:56:31
